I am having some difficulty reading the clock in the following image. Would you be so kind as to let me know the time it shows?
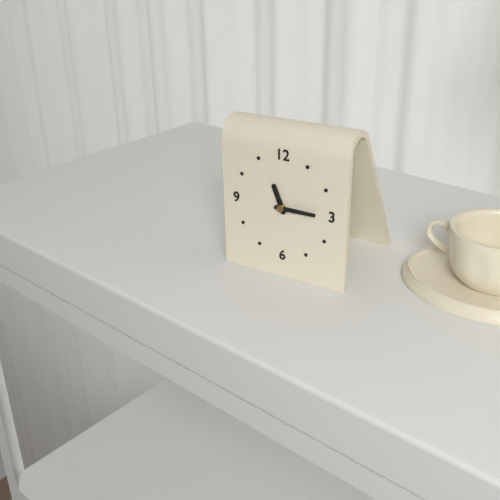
11:15
